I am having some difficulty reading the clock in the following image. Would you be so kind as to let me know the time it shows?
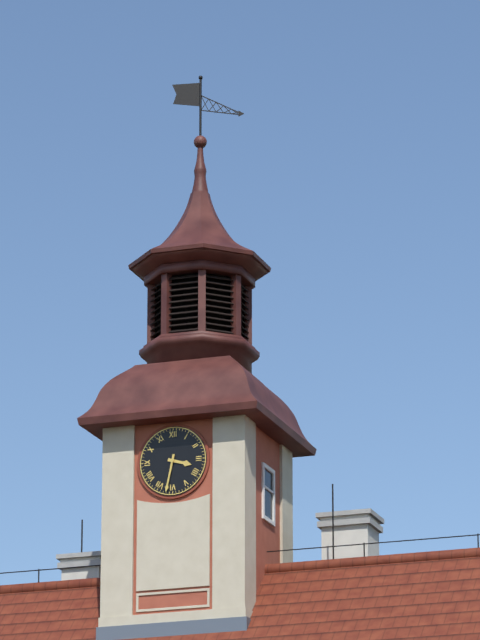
3:32
